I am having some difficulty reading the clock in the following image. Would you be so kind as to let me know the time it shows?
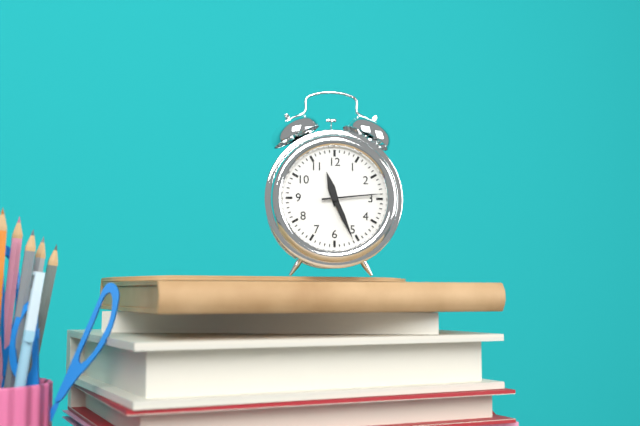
11:26:14
